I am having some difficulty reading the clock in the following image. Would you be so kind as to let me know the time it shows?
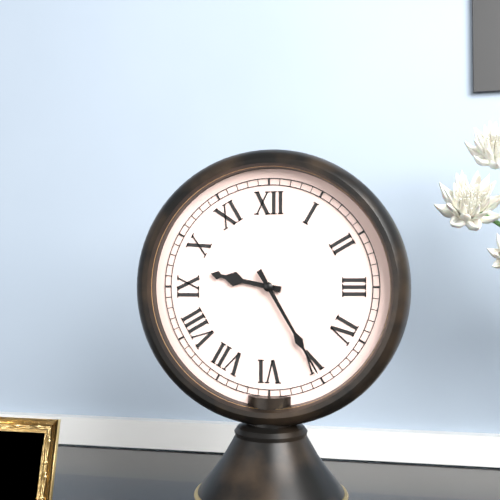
9:25
